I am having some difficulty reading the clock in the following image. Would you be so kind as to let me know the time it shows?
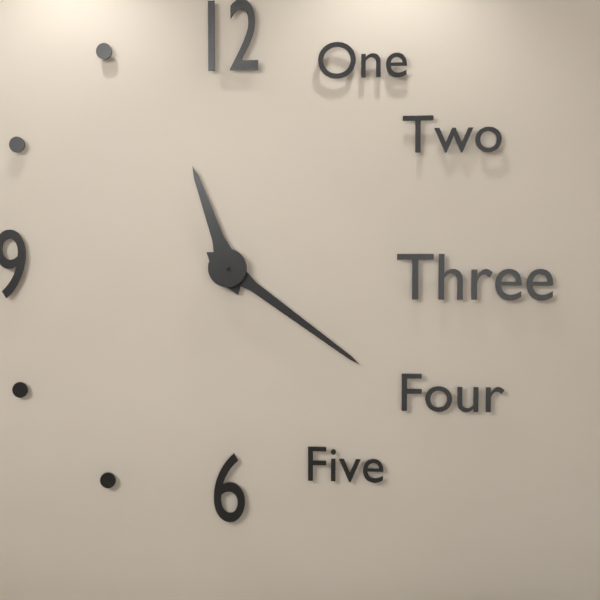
11:21
